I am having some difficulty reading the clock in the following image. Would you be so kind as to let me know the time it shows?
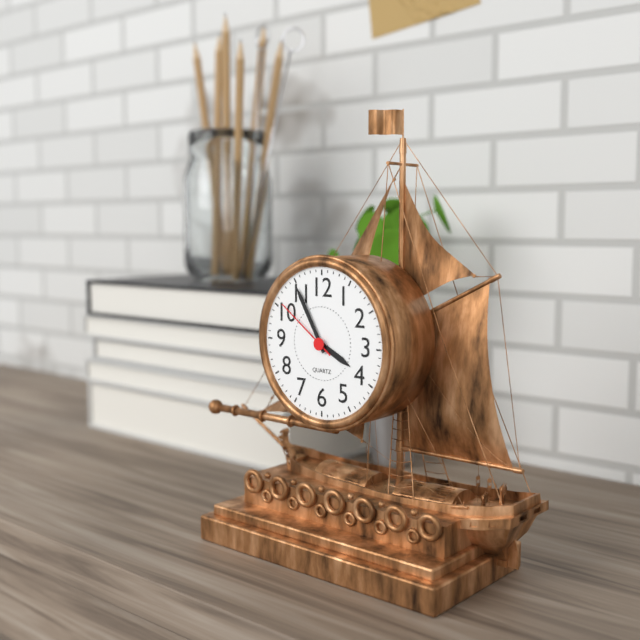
3:55:51
